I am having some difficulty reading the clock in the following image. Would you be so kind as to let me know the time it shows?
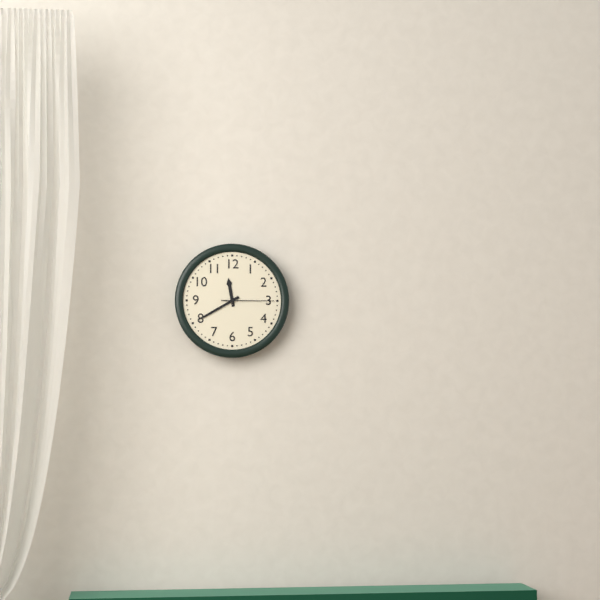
11:40:15
